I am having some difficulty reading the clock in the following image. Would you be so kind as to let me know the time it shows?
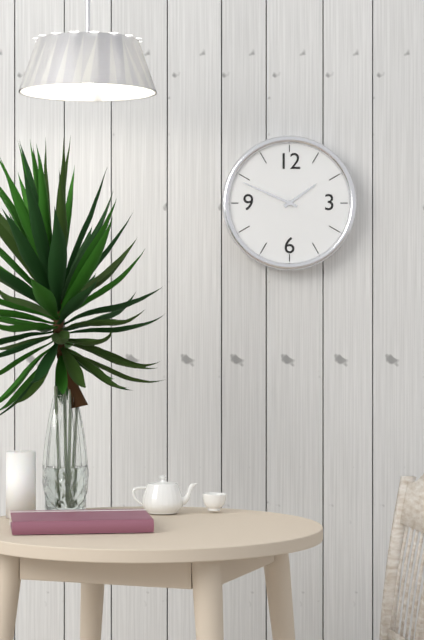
1:49
